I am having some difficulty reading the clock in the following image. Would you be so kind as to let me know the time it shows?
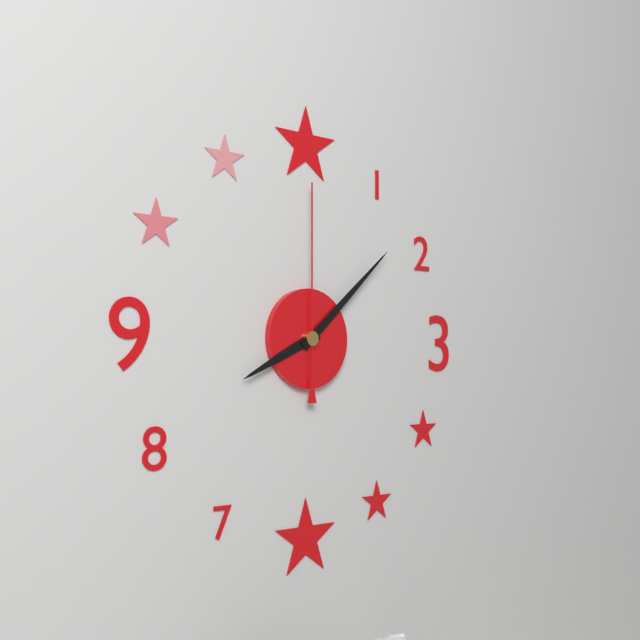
8:08:00
